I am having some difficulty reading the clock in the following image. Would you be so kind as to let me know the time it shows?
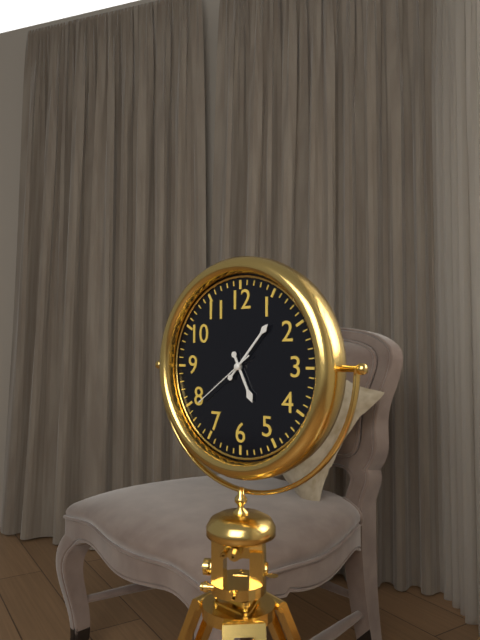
5:07:39
